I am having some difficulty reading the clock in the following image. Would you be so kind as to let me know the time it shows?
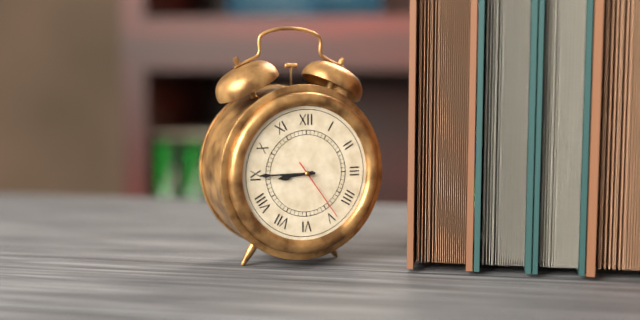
8:45:24
